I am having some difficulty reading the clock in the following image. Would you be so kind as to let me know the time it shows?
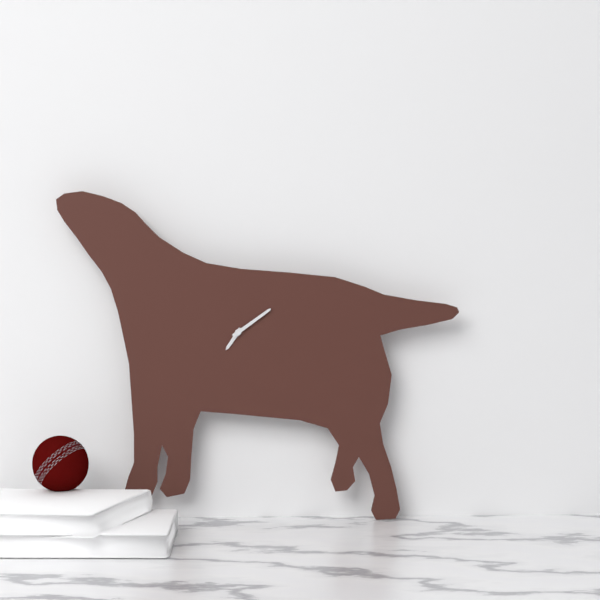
7:09
